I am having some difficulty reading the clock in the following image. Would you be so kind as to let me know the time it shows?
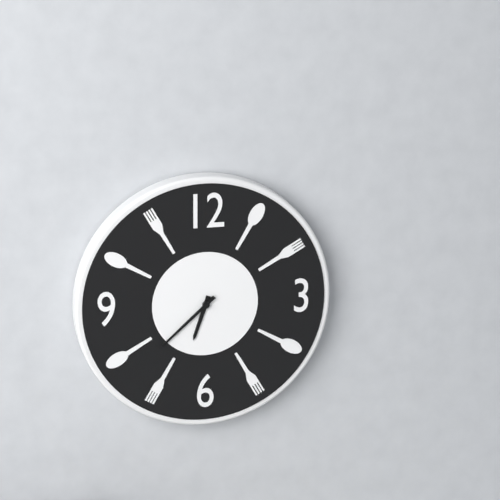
6:38
